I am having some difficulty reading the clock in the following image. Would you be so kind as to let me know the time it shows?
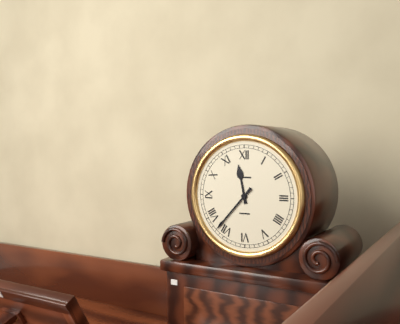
11:37
